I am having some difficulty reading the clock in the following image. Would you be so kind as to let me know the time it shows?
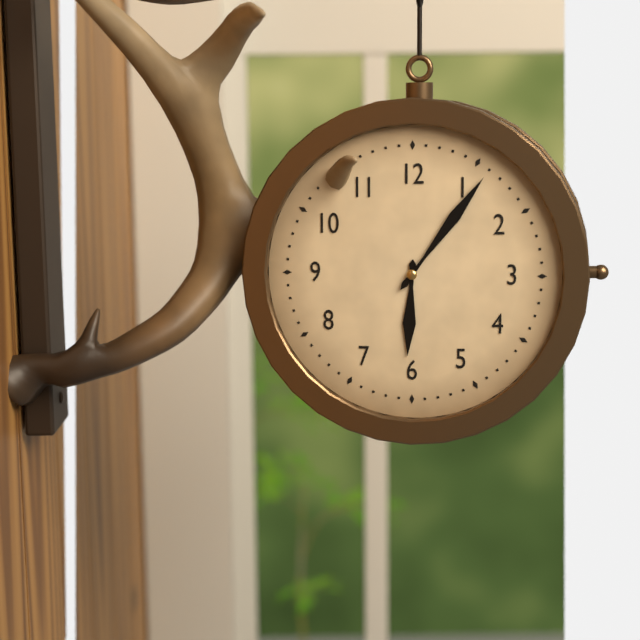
6:06
